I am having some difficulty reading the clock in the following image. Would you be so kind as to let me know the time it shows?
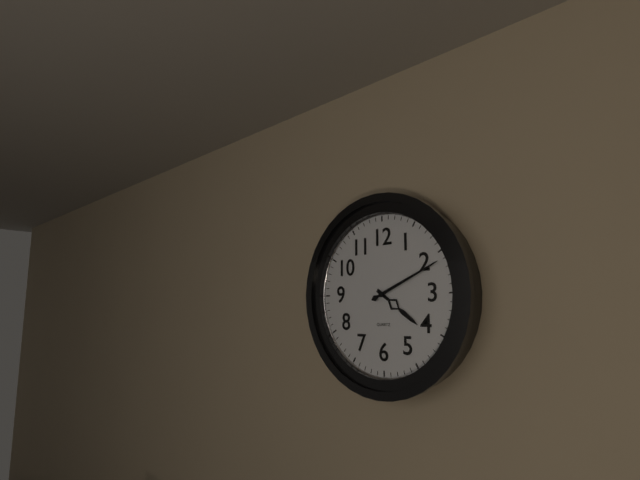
4:11
